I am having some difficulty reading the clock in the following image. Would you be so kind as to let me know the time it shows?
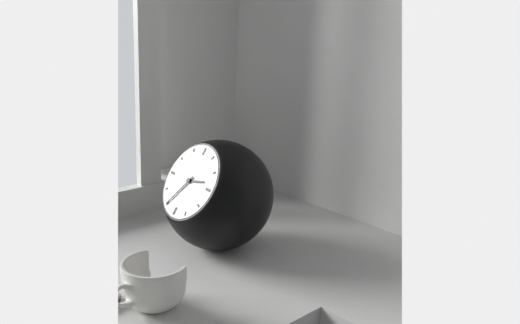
2:35
